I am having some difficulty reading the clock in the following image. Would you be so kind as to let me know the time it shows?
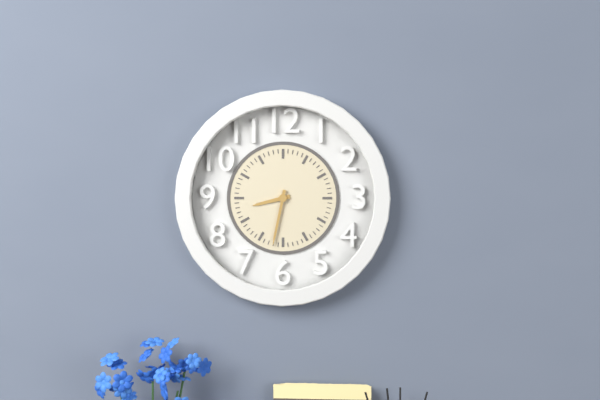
8:32
